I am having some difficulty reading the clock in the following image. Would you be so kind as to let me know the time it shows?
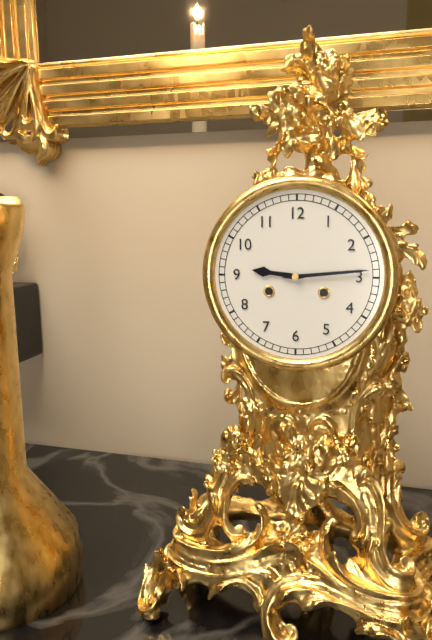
9:14
